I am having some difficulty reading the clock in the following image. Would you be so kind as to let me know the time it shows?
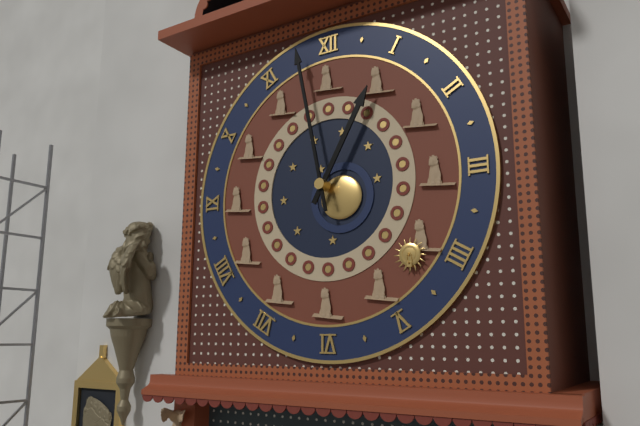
12:58
